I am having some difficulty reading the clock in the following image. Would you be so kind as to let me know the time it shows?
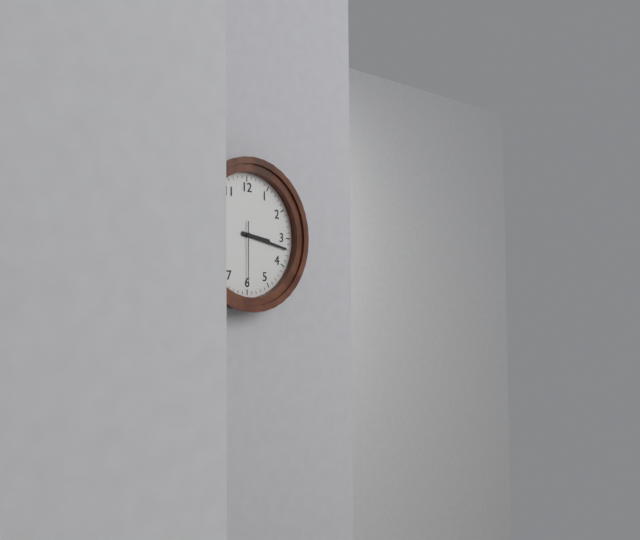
3:17:30
